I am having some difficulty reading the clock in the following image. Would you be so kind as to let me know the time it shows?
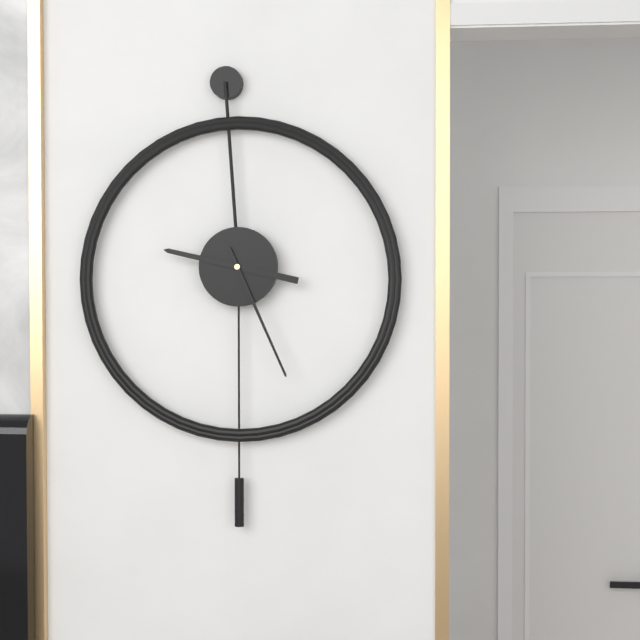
9:26
